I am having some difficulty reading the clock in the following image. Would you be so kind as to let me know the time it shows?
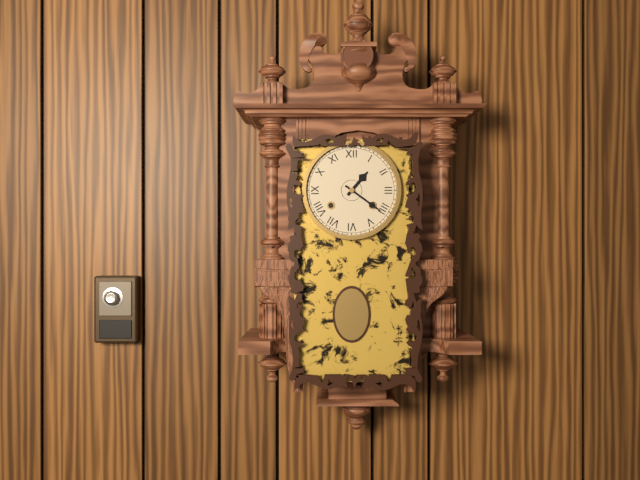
1:21
